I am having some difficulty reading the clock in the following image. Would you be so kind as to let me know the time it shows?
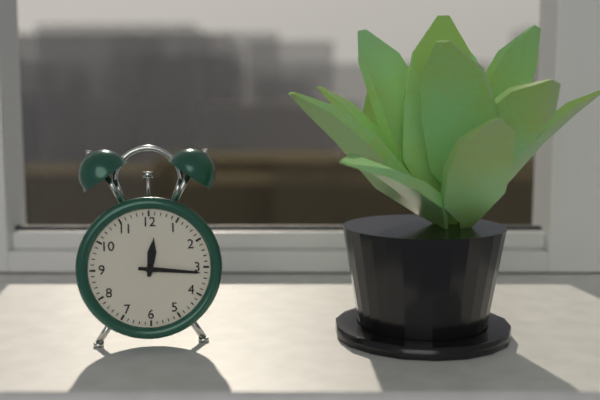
12:16
